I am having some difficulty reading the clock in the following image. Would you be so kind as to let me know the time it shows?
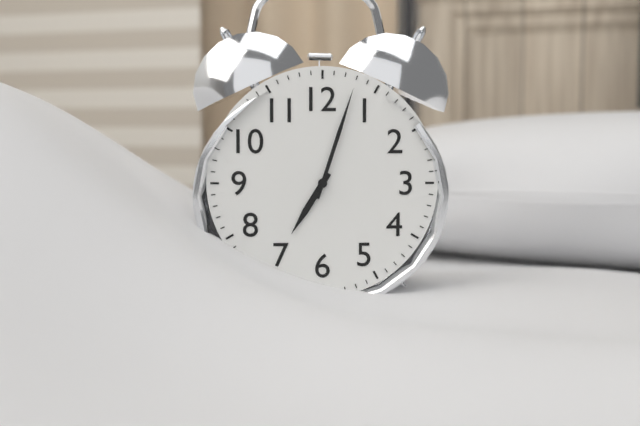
7:03
